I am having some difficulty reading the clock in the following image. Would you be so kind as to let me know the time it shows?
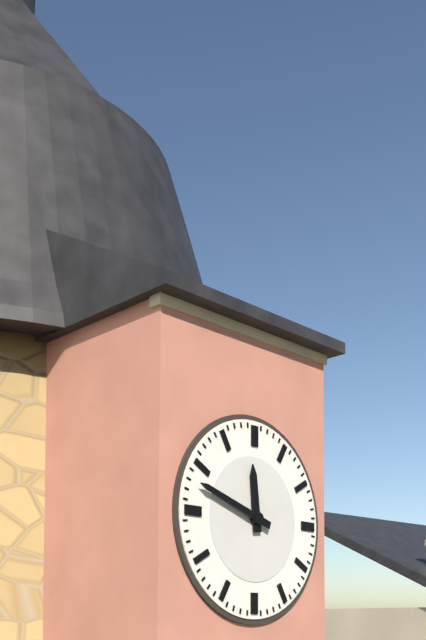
11:48
